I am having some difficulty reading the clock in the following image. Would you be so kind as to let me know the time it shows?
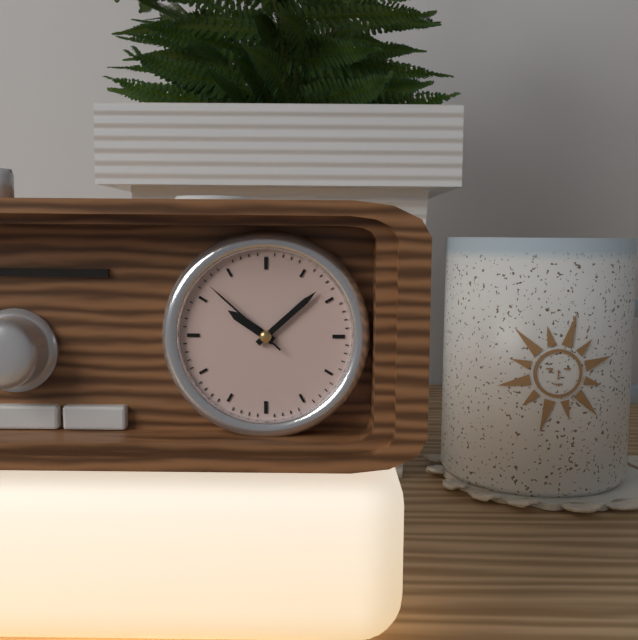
10:08:52
